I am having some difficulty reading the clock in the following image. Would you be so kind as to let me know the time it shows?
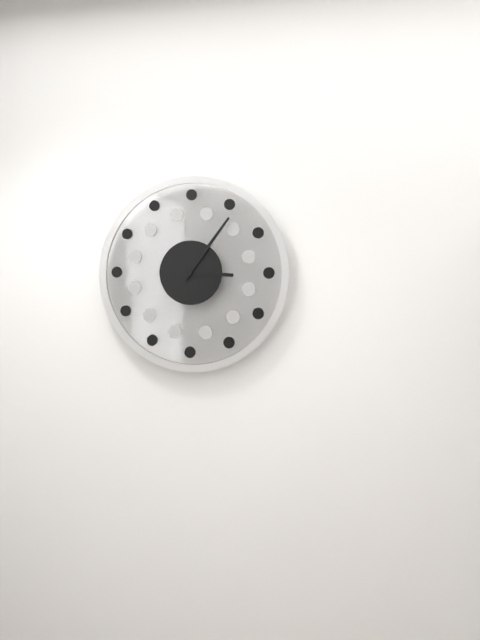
3:06
